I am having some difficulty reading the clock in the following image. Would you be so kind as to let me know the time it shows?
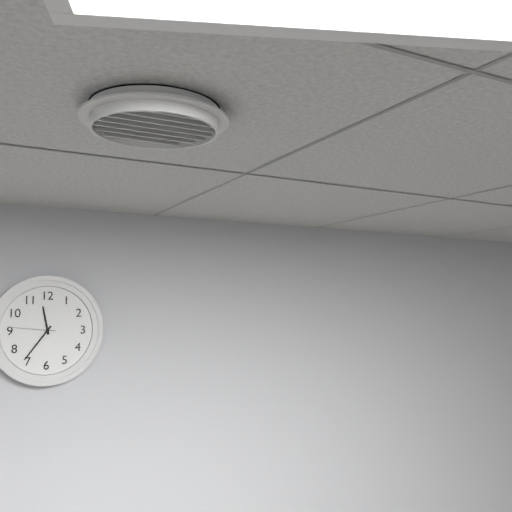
11:36:46
